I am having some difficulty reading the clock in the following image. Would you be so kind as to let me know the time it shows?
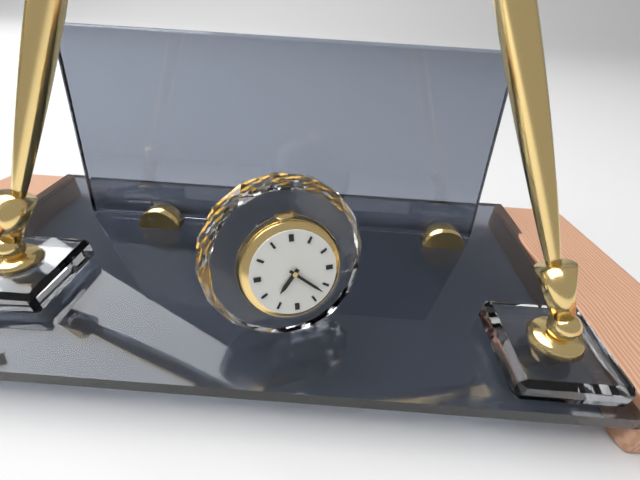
7:22
